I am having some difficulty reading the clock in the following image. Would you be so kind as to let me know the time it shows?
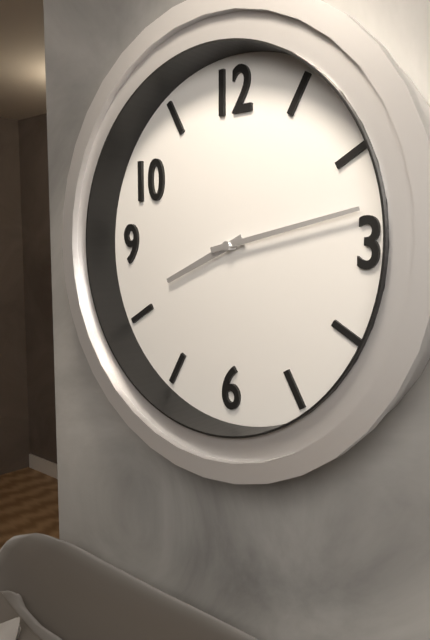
8:13
